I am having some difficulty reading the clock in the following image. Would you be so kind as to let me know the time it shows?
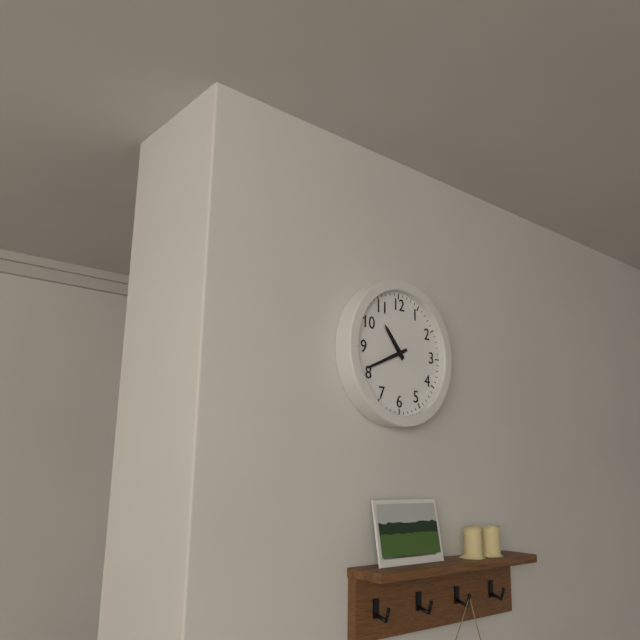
10:41
